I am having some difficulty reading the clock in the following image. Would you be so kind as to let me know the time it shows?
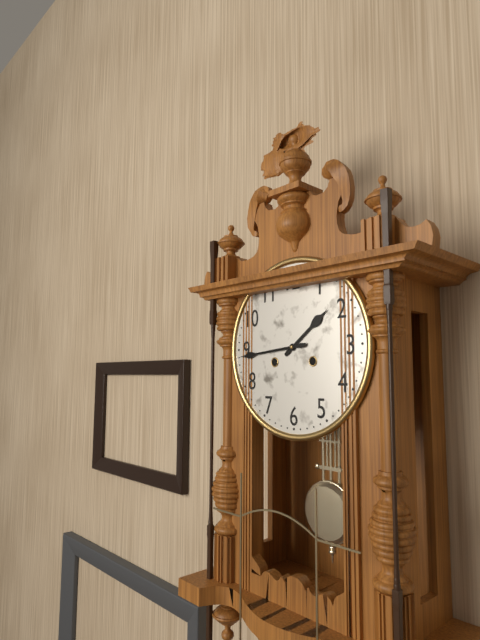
1:44
